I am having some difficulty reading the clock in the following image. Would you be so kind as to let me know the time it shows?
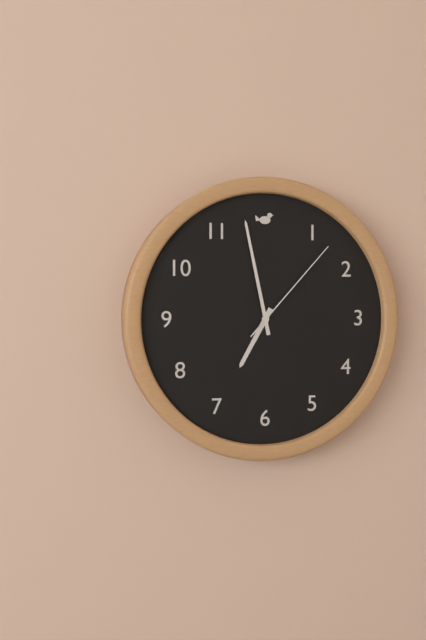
6:58:07
